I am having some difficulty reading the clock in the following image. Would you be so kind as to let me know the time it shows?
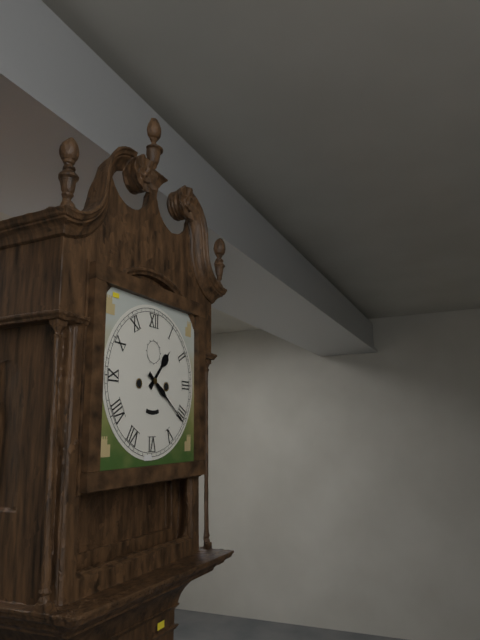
1:21
